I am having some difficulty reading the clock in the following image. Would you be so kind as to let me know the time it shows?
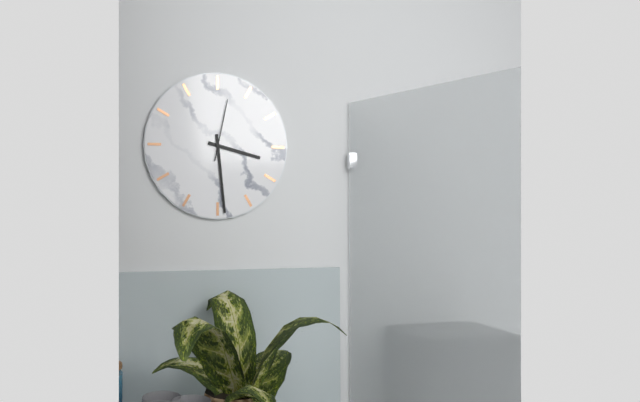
3:29:02
